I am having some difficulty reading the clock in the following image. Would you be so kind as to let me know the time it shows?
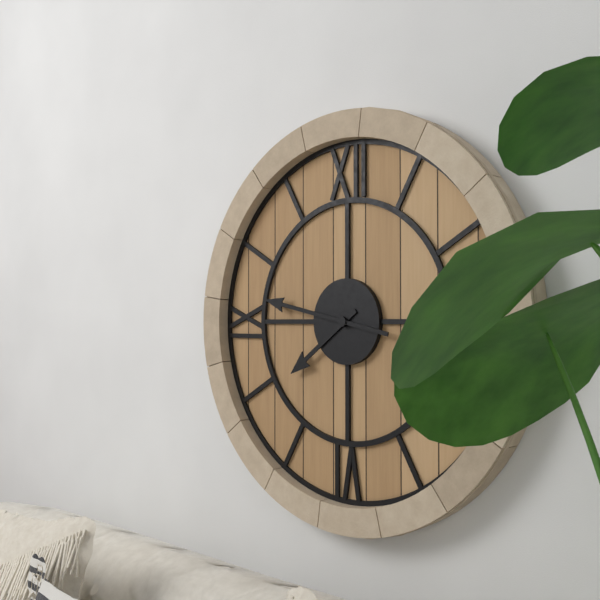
7:47
